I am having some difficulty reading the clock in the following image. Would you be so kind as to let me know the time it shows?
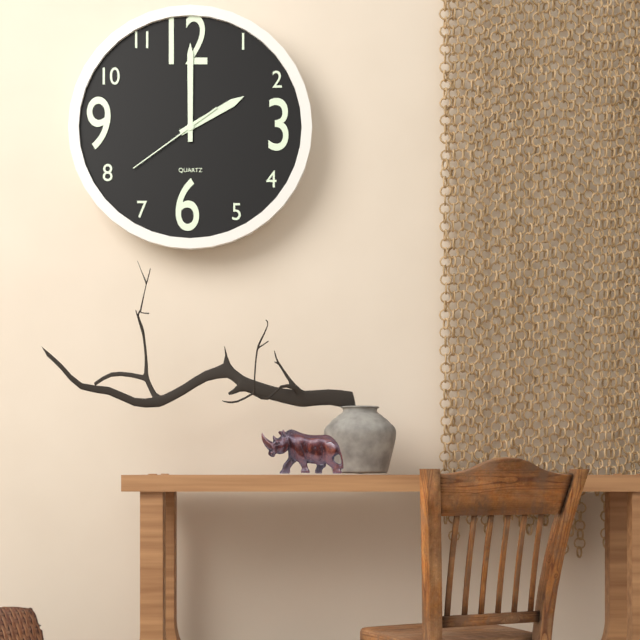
2:00:39
